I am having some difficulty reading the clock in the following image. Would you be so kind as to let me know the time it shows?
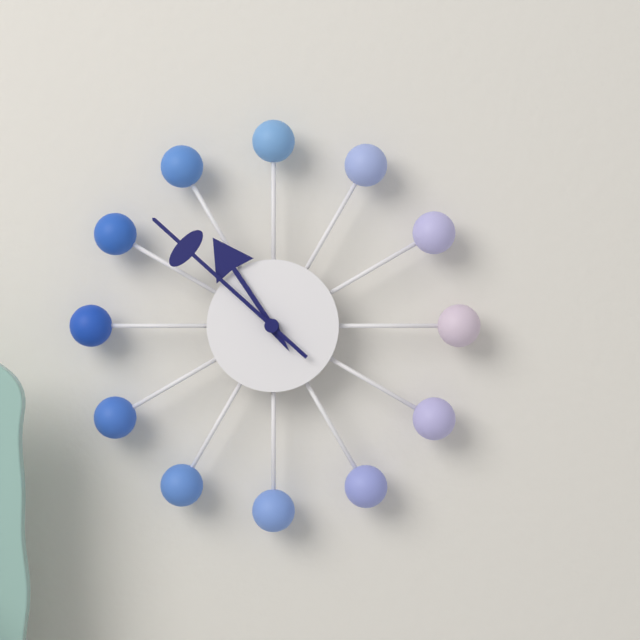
10:52
